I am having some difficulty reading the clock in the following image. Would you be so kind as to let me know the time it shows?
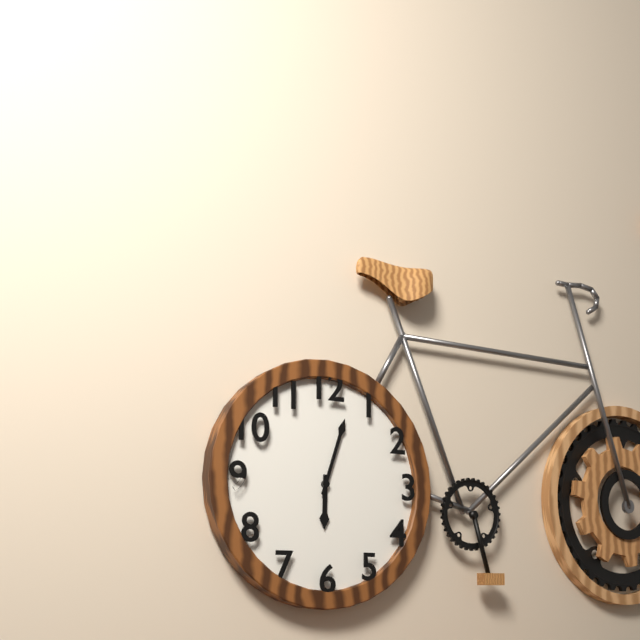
6:03
